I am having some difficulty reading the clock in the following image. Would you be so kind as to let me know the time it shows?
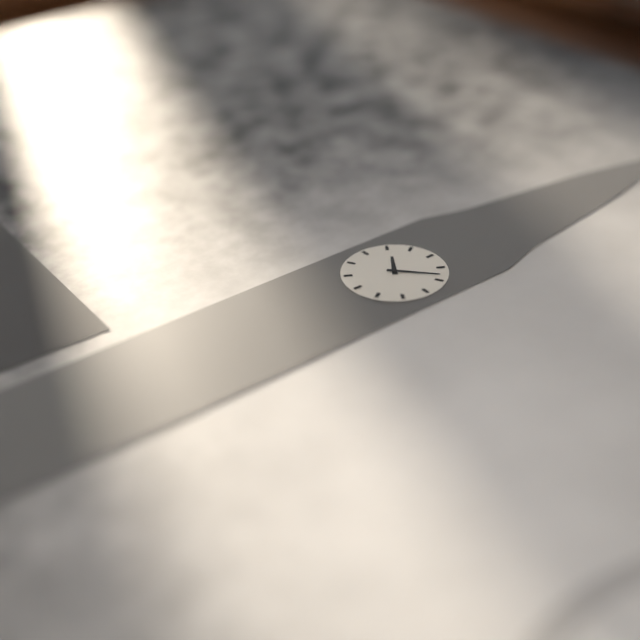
10:08
